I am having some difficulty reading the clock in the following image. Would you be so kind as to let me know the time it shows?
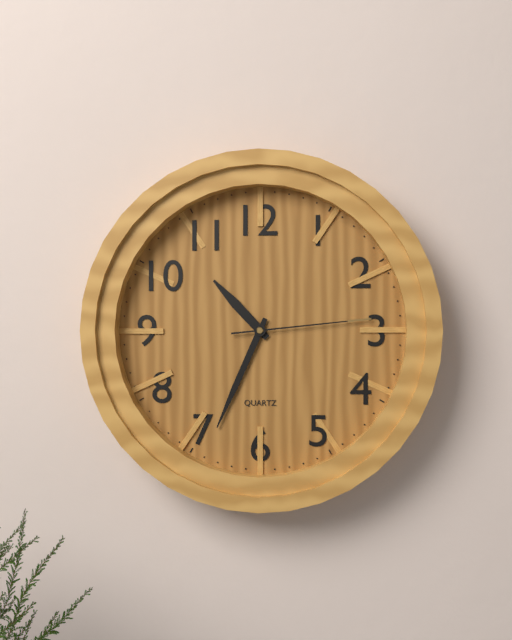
10:34:14
